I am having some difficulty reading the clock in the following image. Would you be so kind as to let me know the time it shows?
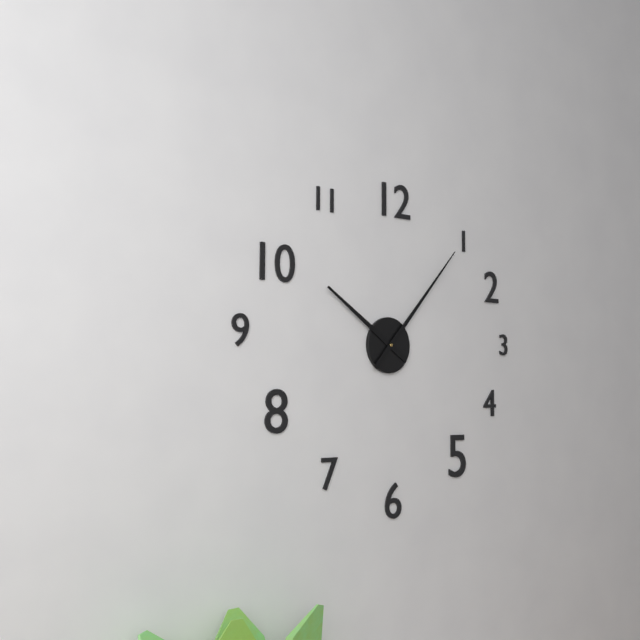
10:07
